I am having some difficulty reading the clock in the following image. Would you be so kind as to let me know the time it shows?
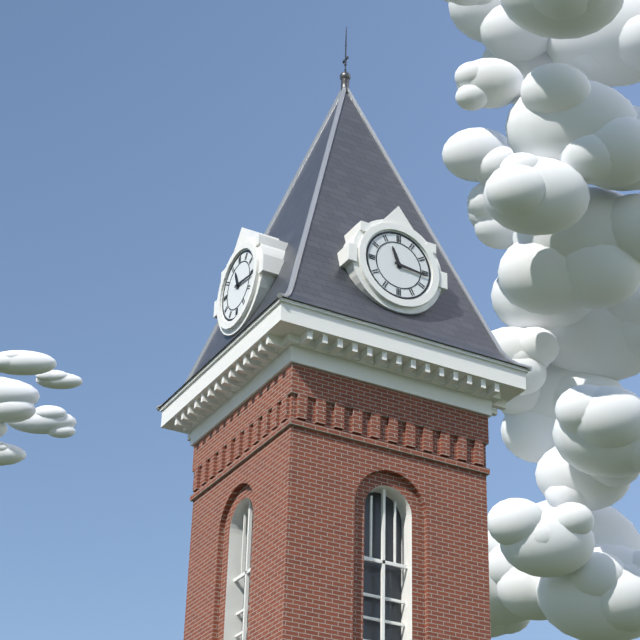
11:16
